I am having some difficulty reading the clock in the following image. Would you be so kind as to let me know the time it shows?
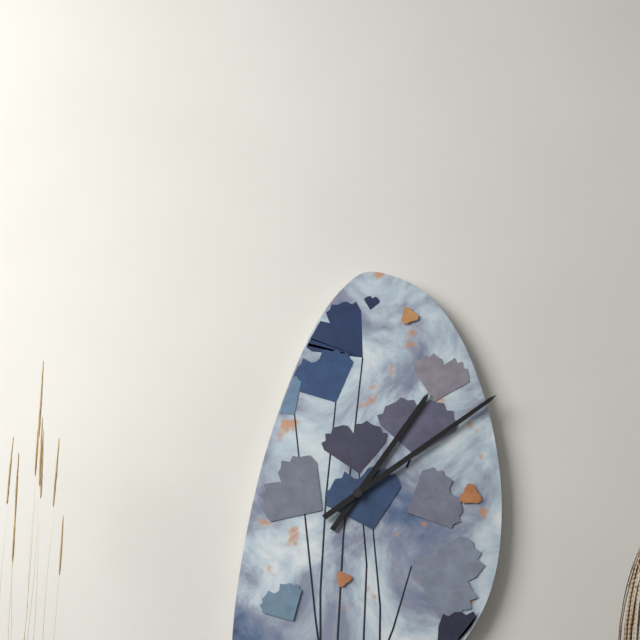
1:09
